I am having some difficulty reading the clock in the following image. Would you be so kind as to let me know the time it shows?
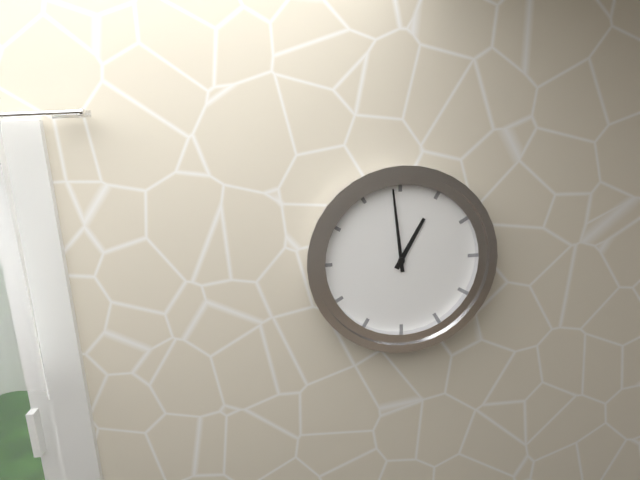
12:59
